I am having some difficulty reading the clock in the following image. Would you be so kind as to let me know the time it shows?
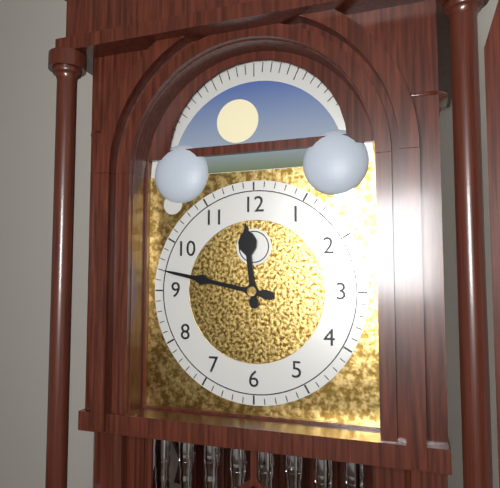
11:47
